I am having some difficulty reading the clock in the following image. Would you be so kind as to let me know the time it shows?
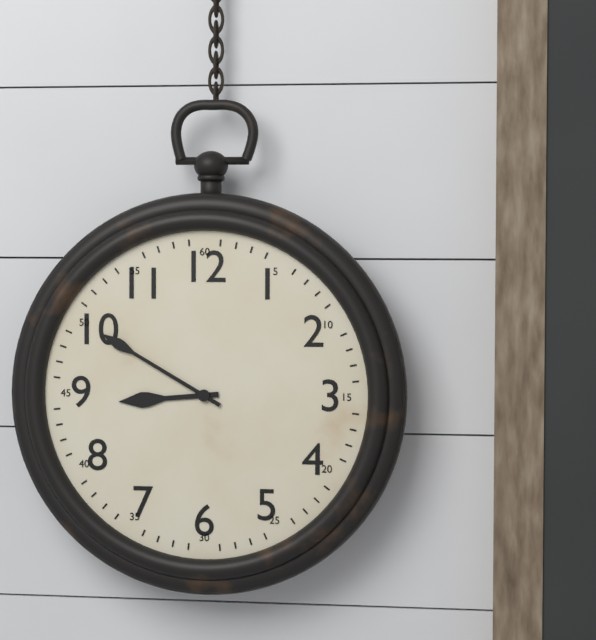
8:50
